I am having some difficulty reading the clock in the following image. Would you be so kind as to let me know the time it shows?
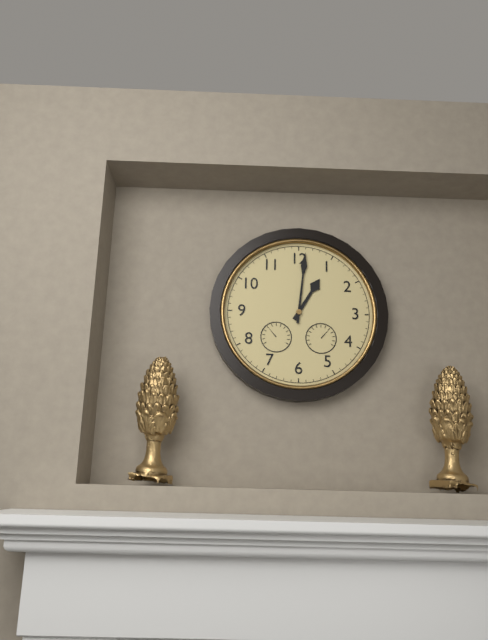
1:01
